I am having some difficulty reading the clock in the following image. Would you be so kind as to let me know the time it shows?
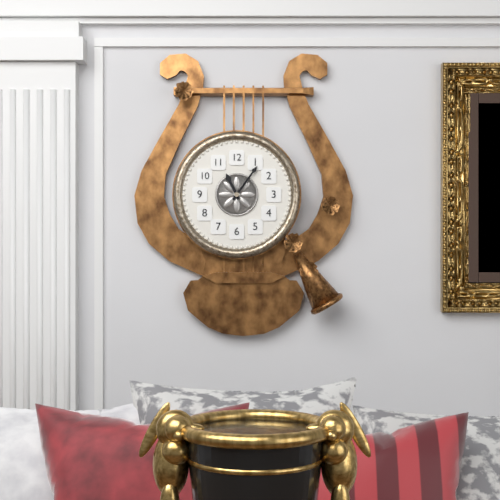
11:06
